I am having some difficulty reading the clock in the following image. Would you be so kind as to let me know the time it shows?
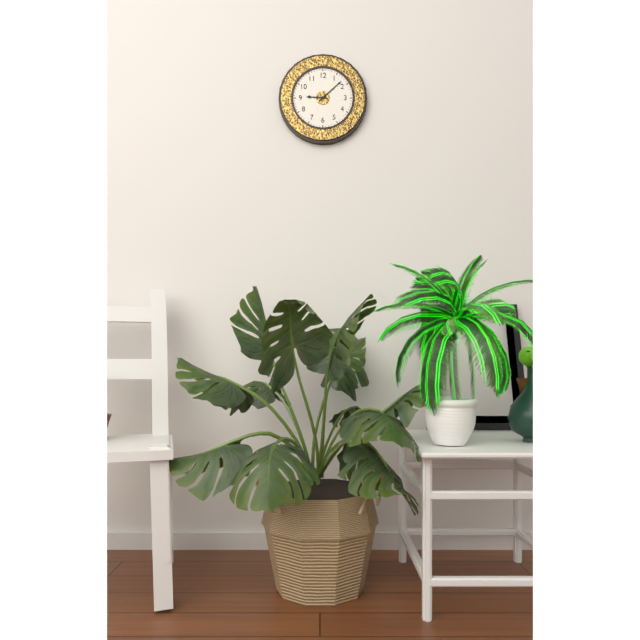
9:08
